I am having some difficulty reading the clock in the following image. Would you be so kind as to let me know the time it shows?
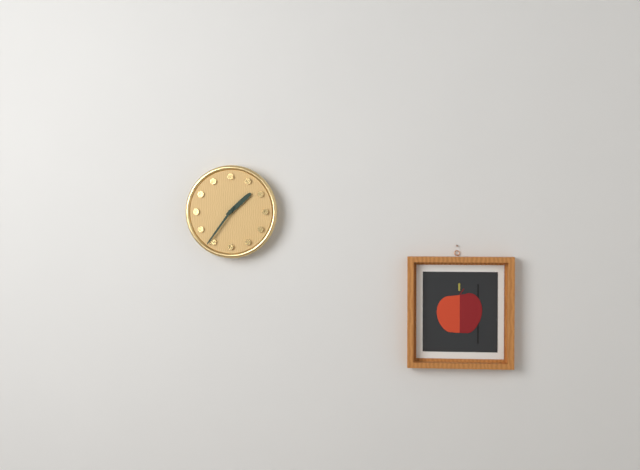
1:36
